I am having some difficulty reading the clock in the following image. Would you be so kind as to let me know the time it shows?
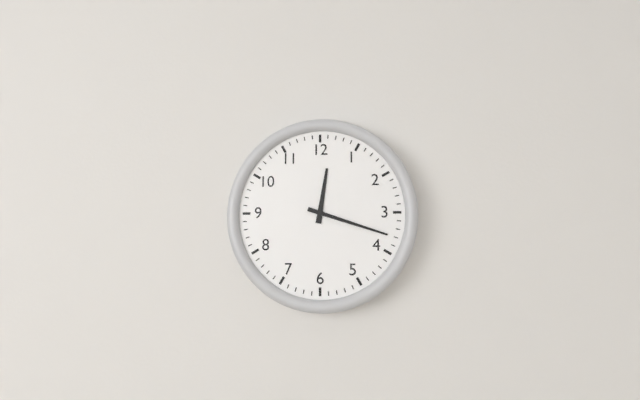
12:18
